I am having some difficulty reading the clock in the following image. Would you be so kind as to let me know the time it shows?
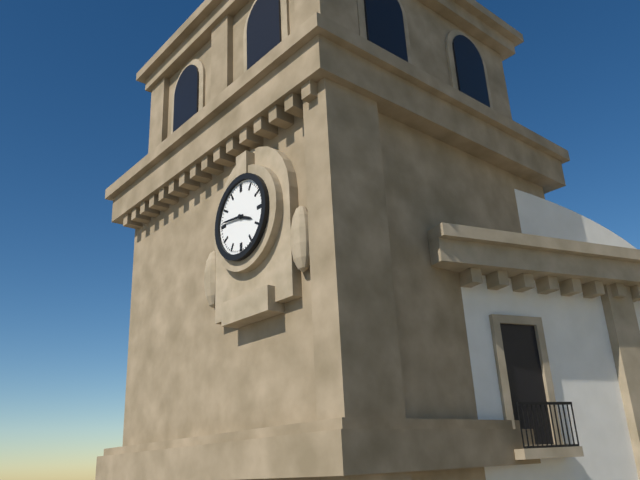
3:46
